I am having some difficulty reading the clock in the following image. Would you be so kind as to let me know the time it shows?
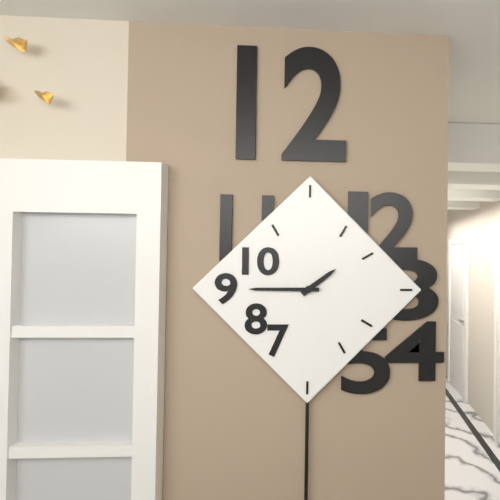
1:45
